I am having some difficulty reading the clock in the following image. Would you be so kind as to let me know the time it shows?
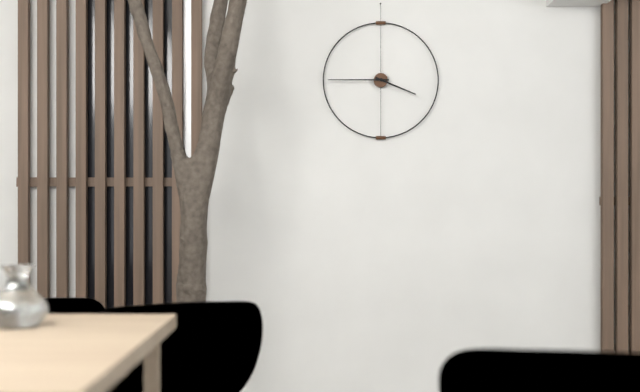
3:45
